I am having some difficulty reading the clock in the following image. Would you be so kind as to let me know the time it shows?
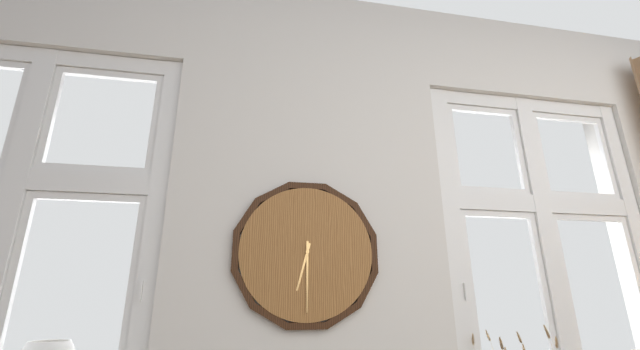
6:30
